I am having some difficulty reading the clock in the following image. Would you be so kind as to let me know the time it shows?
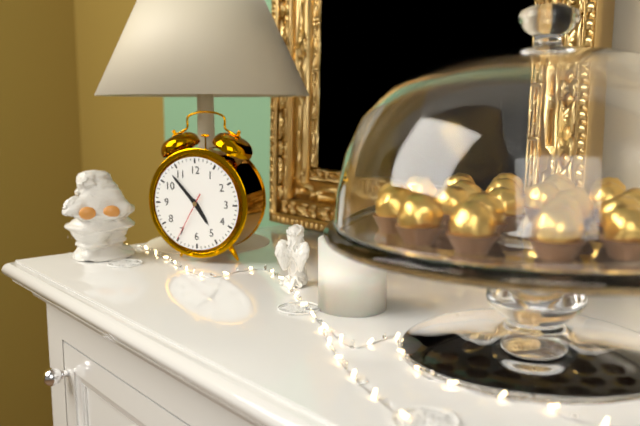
4:53
